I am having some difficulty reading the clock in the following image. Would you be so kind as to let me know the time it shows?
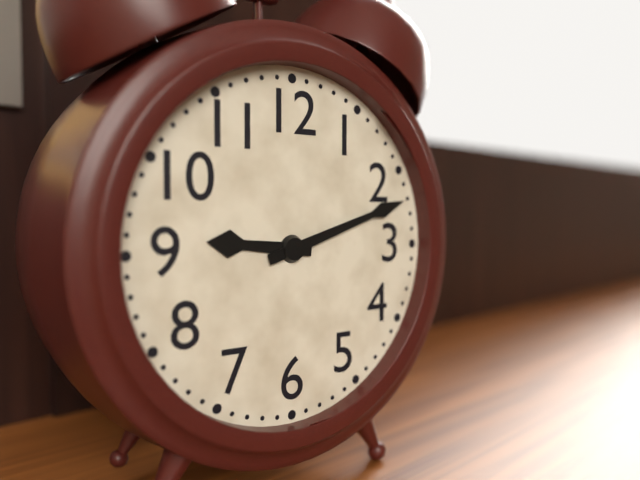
9:12
